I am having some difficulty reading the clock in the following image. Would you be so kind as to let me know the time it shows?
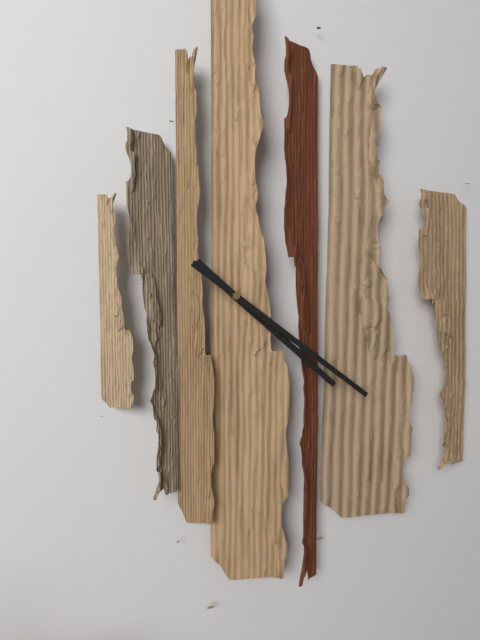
4:21
